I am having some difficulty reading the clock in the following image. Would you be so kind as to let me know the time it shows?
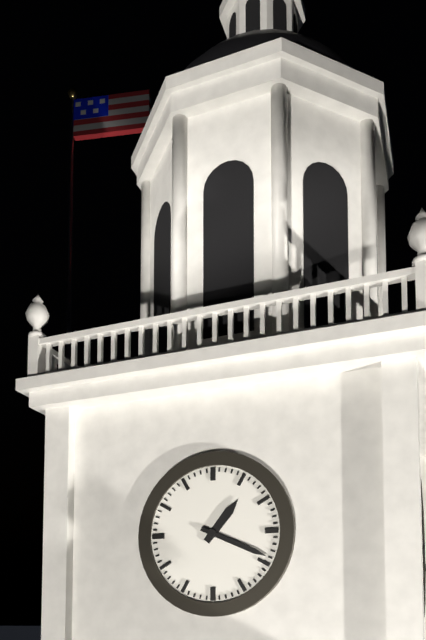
1:19
